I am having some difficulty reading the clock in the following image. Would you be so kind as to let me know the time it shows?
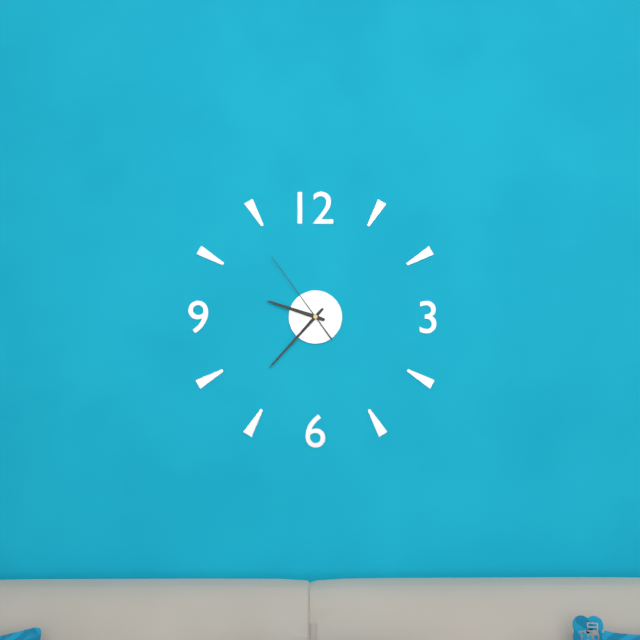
9:37:54
